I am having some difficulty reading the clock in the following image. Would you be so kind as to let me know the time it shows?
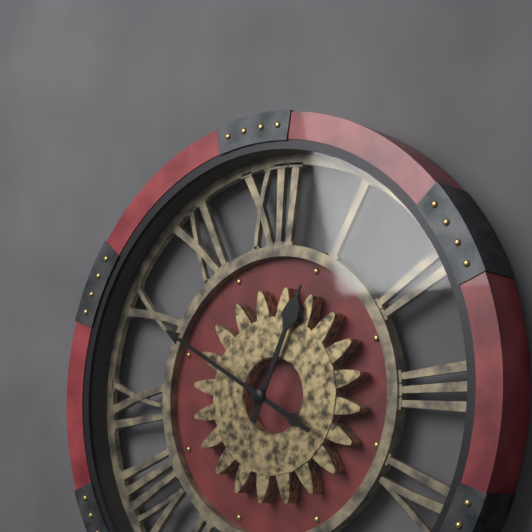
12:50
